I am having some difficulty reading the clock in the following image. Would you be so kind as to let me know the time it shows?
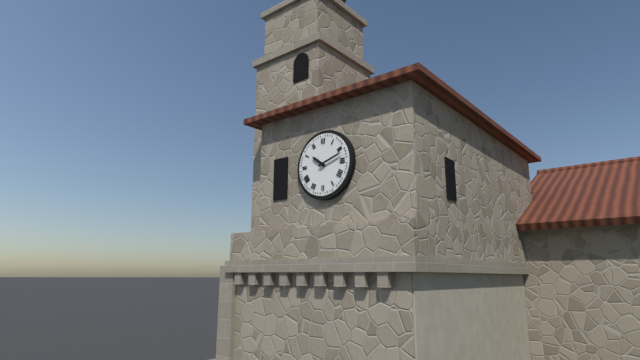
10:12
